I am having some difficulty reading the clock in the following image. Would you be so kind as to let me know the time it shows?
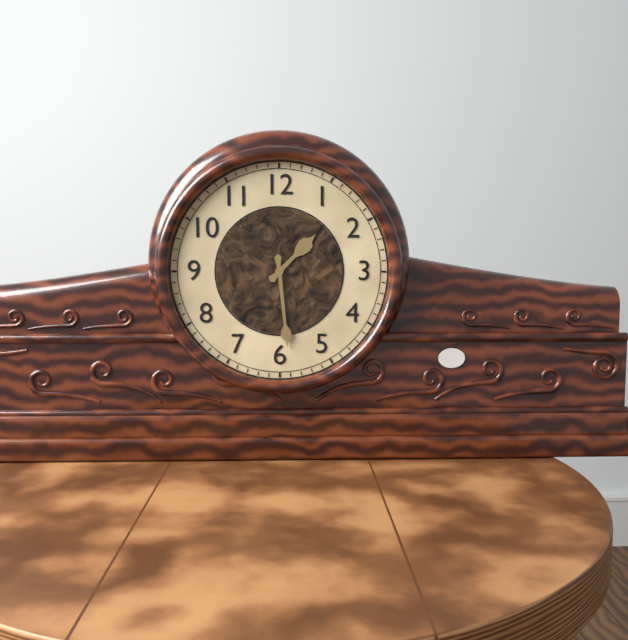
1:29
